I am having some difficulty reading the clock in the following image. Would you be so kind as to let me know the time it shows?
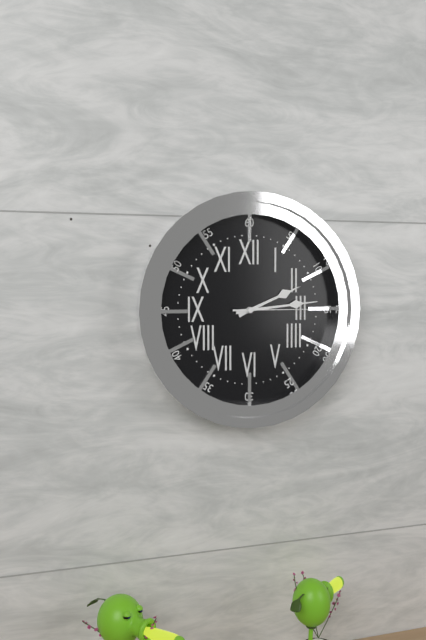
2:14:15
